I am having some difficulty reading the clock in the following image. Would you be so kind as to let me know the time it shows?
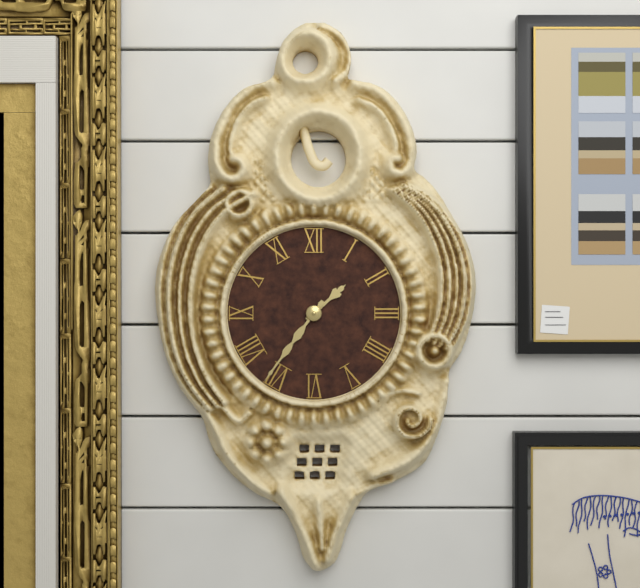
1:36
